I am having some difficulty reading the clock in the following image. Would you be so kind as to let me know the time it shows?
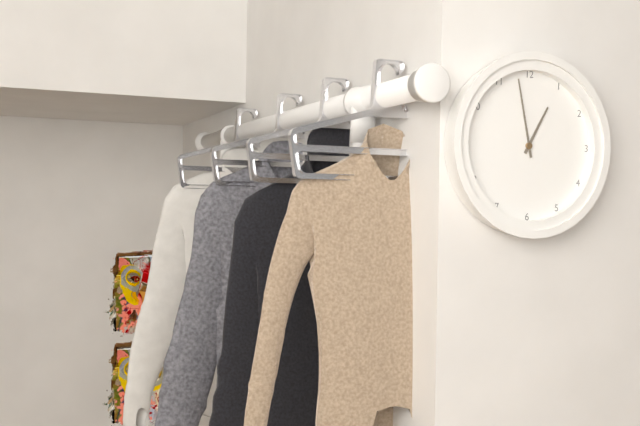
12:58
